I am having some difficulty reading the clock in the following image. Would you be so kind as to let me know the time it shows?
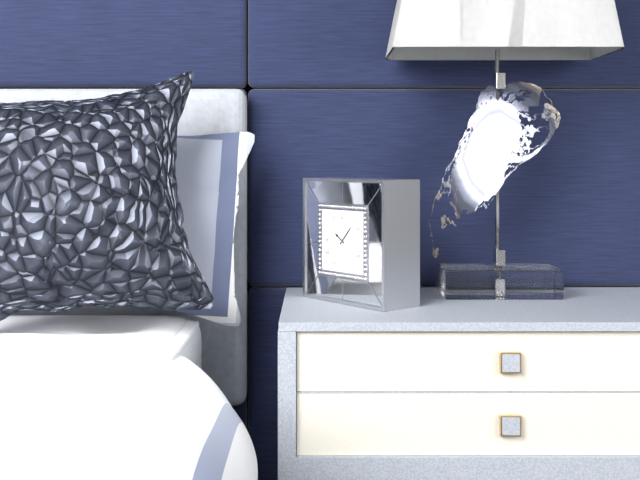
10:07
